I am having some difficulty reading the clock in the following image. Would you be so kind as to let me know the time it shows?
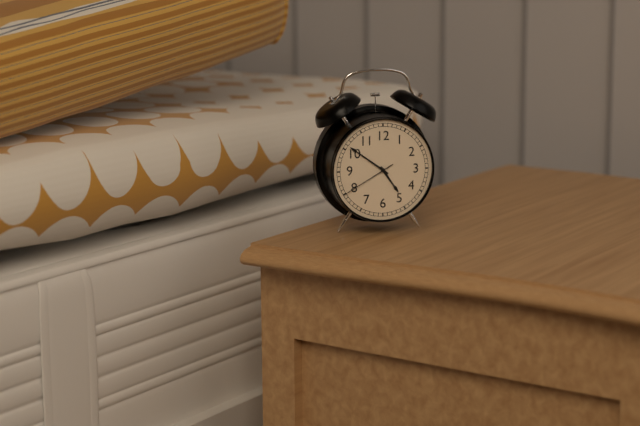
4:51:40
